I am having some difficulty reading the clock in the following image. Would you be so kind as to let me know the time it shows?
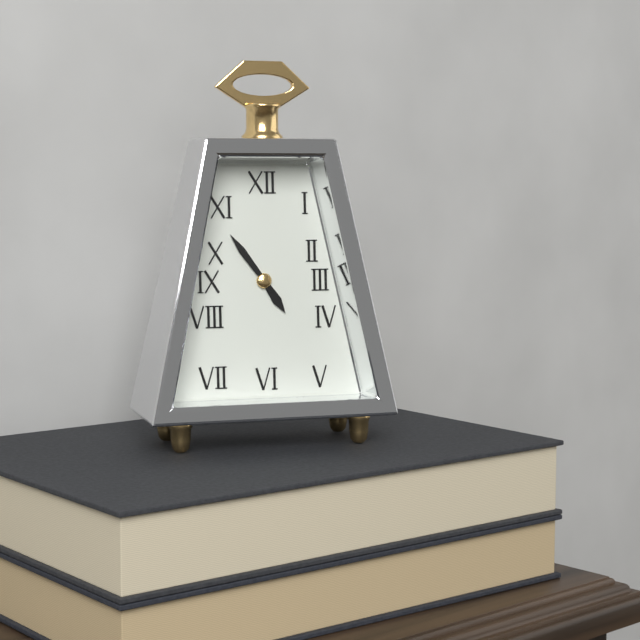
4:54
